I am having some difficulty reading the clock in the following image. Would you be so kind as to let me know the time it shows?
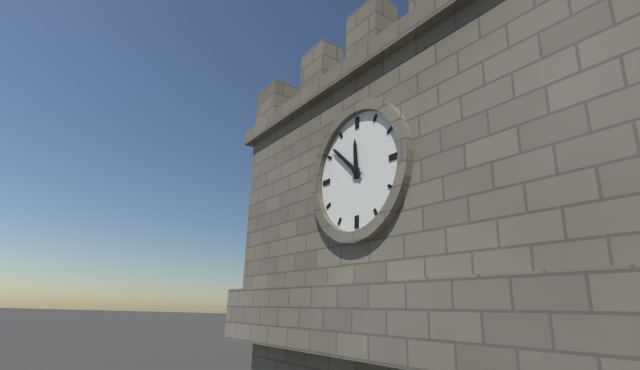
11:52
